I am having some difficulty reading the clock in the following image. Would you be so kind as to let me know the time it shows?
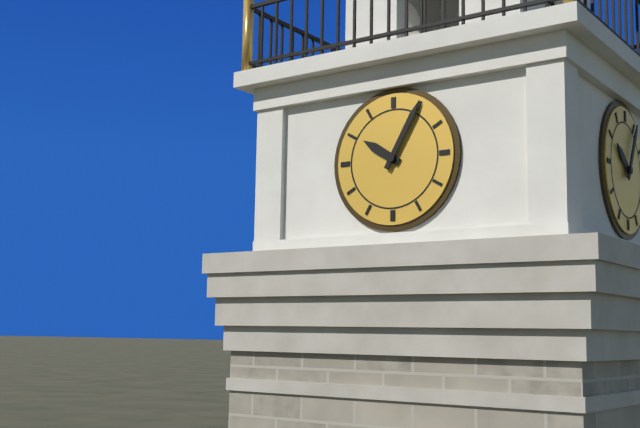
10:05
